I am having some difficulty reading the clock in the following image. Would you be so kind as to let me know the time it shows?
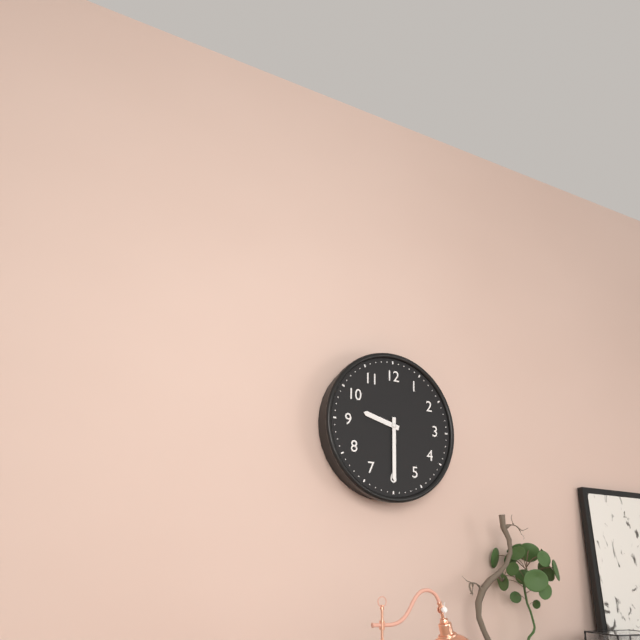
9:30
